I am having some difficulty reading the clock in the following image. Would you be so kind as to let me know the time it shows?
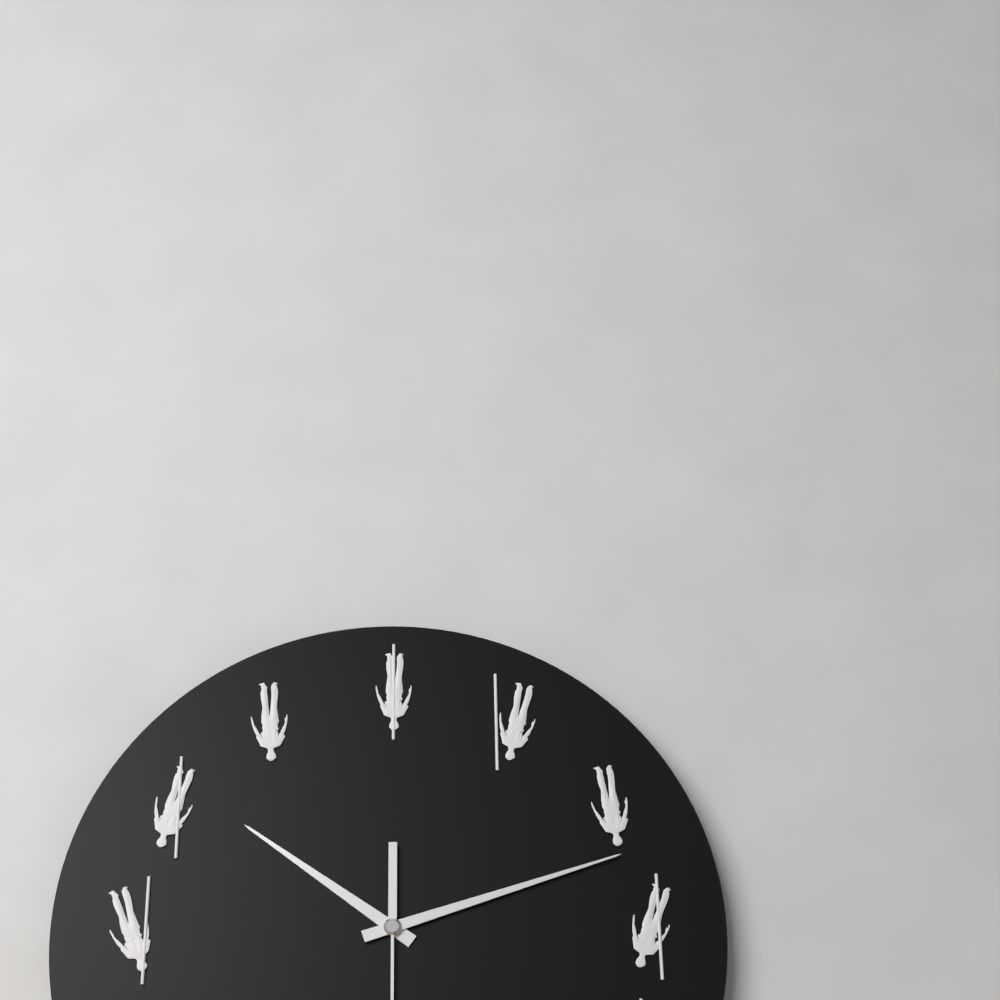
10:12
